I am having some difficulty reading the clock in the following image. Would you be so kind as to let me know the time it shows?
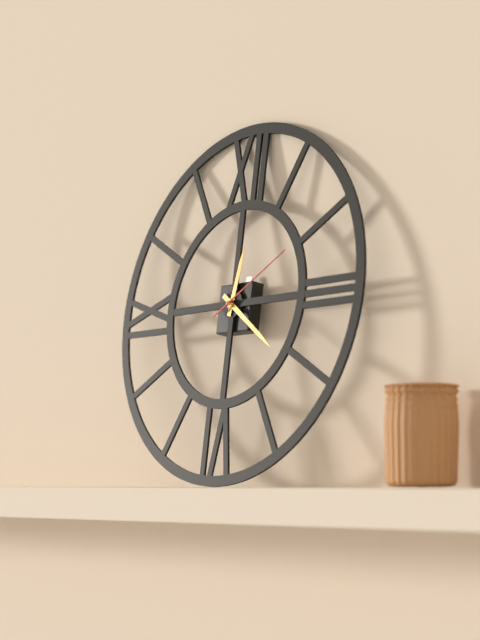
12:21:10
